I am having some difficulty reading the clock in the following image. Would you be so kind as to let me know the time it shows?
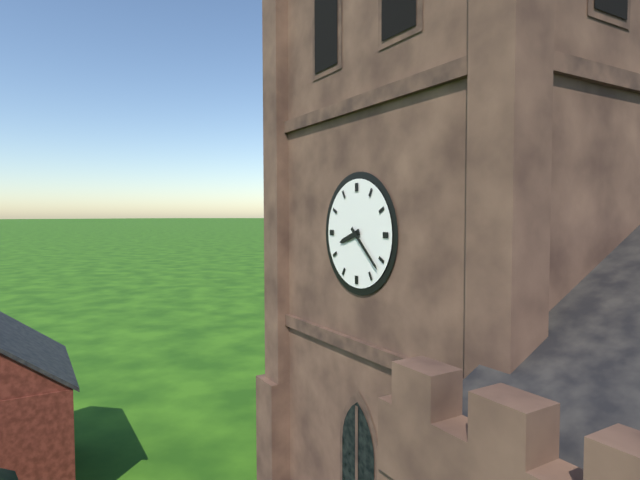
8:22
